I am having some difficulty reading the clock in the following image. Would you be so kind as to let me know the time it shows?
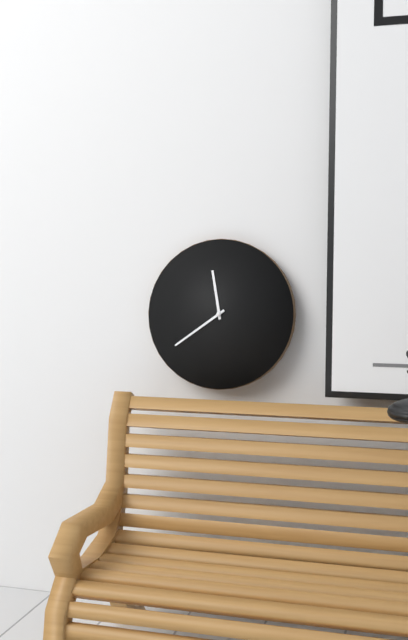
11:39
